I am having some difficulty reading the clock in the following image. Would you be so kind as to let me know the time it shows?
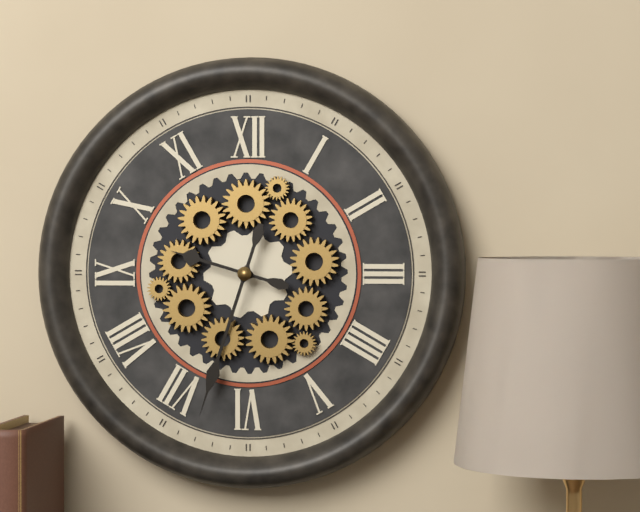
9:33
